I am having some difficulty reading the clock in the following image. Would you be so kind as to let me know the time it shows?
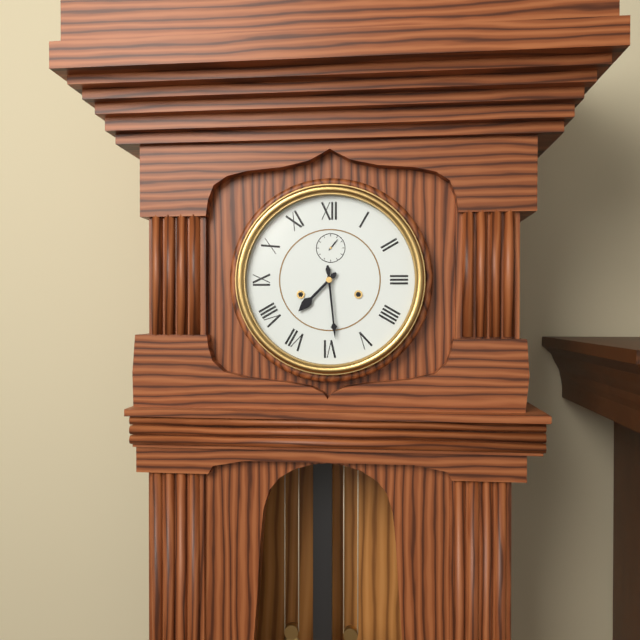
7:29
